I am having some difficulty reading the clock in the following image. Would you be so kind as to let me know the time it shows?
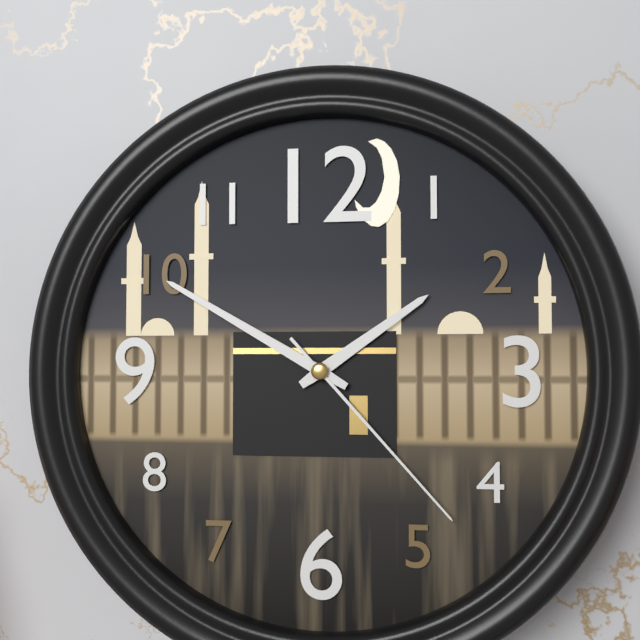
1:50:23
